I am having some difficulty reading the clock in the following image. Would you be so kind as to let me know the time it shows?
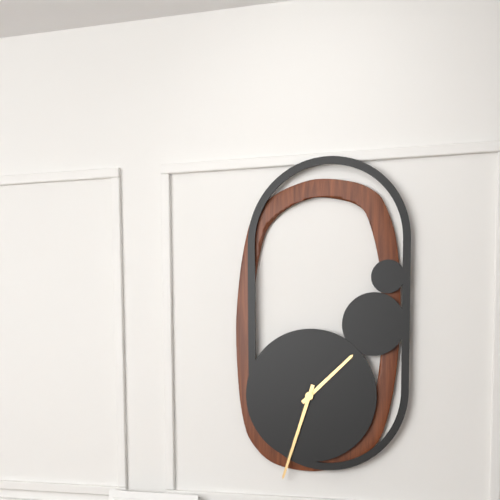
1:33
